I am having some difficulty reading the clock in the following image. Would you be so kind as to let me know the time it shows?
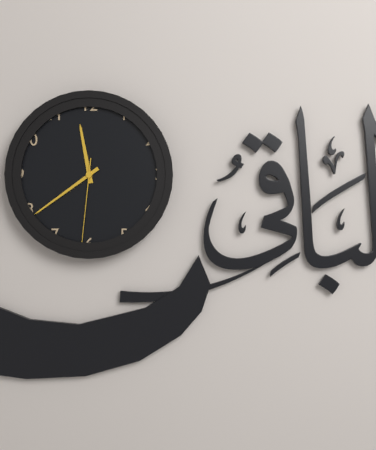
11:39:31
